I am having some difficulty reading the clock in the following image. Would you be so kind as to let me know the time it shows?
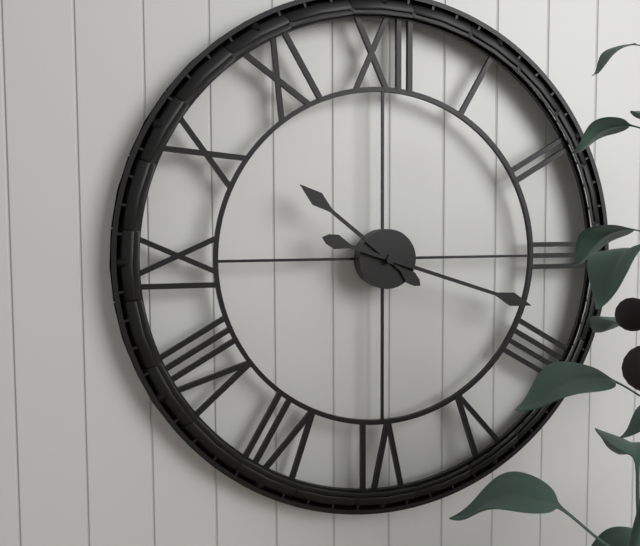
10:18
